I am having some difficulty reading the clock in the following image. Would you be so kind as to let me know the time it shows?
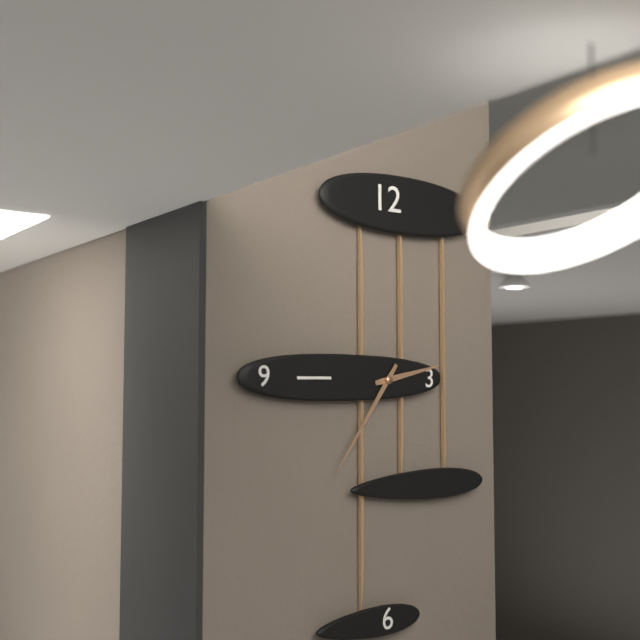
2:36
